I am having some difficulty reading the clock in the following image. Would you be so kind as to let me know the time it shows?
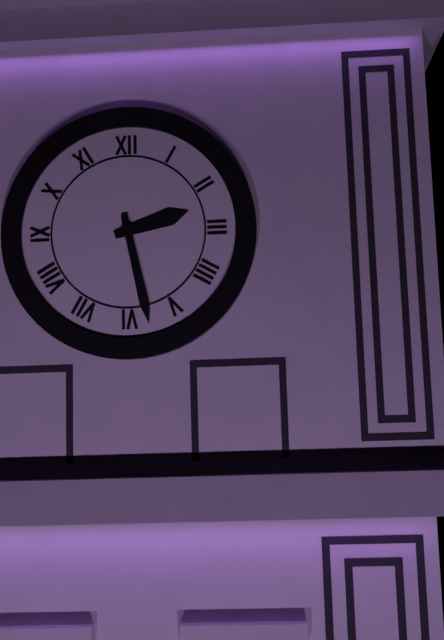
2:28
